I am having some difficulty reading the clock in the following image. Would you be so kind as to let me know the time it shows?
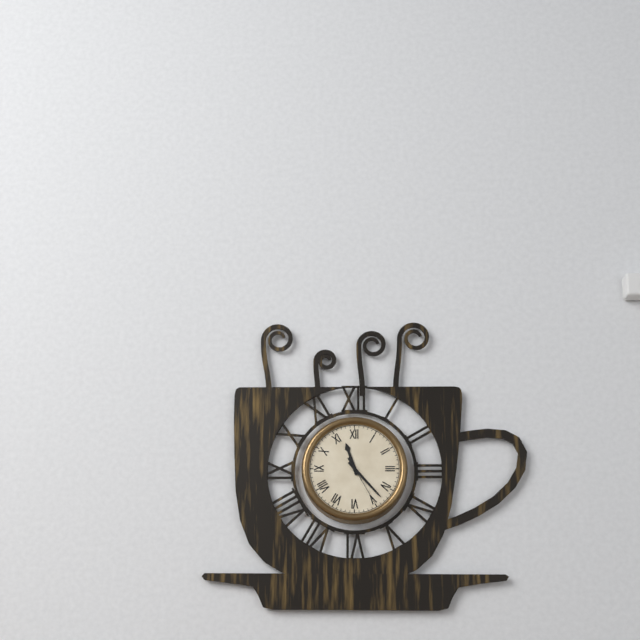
11:23:25
